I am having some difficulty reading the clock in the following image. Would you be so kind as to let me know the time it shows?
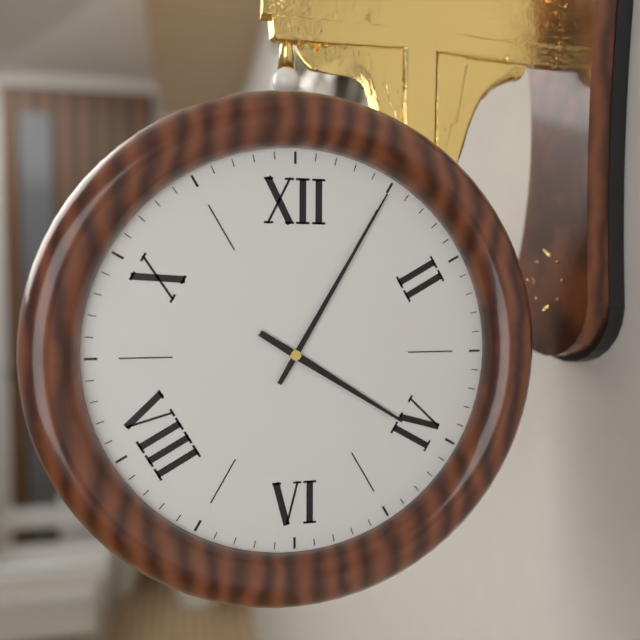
4:05
